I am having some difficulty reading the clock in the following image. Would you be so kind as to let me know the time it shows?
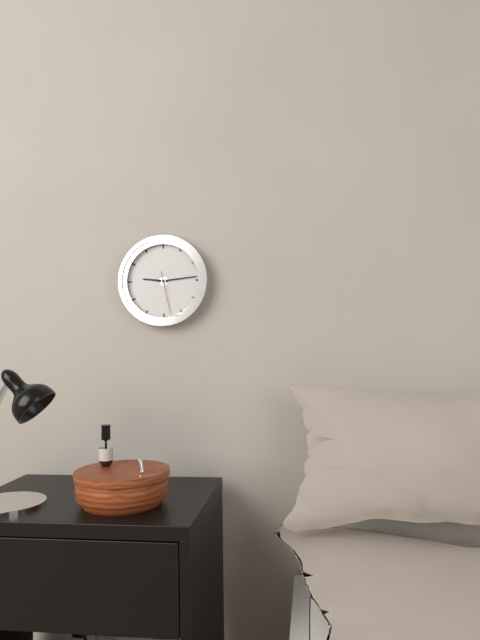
9:14
